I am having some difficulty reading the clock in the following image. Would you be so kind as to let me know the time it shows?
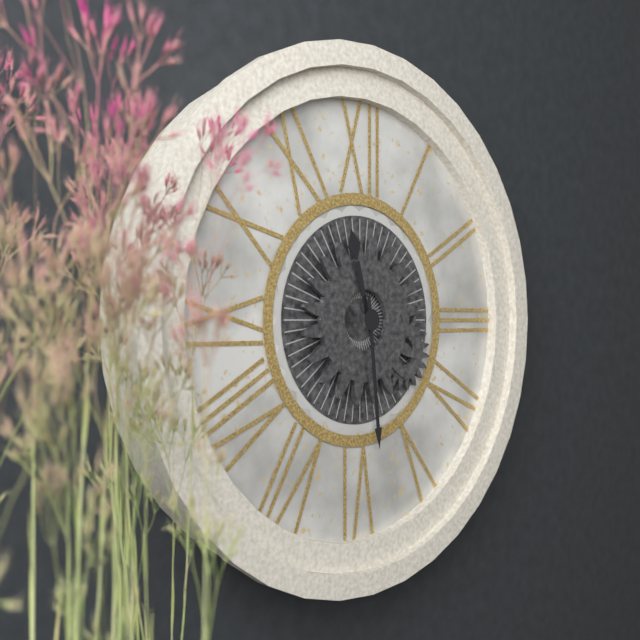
11:29
